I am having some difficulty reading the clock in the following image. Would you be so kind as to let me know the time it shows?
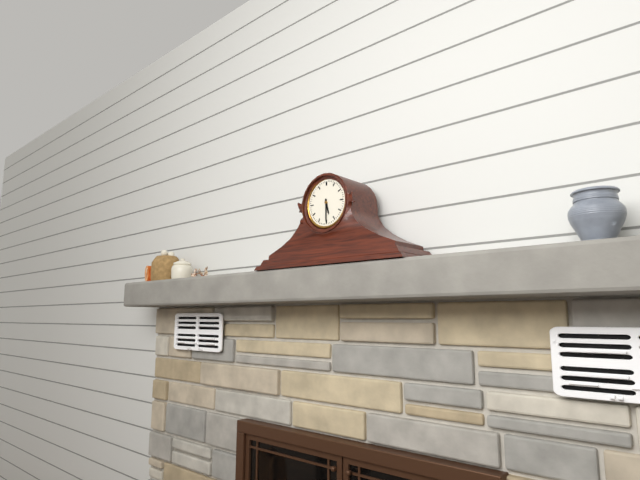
5:30
